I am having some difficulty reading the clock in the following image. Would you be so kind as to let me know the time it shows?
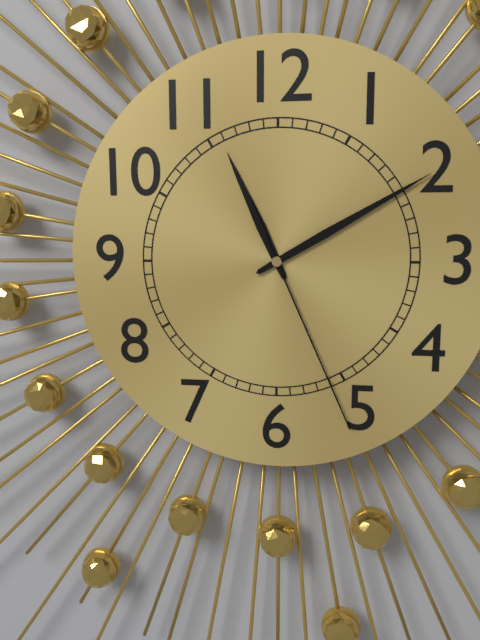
11:10:26
